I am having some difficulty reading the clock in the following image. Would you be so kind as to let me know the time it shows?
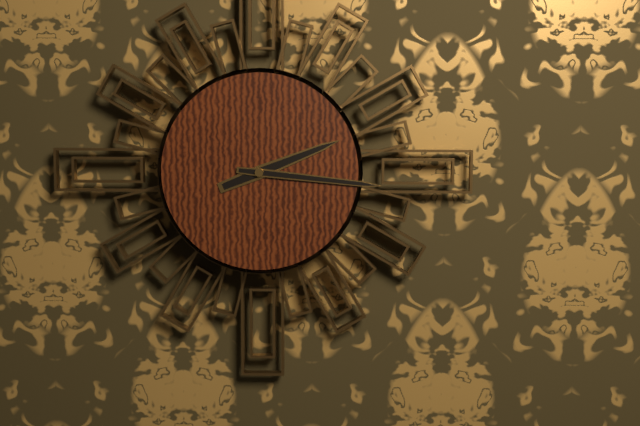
2:16
